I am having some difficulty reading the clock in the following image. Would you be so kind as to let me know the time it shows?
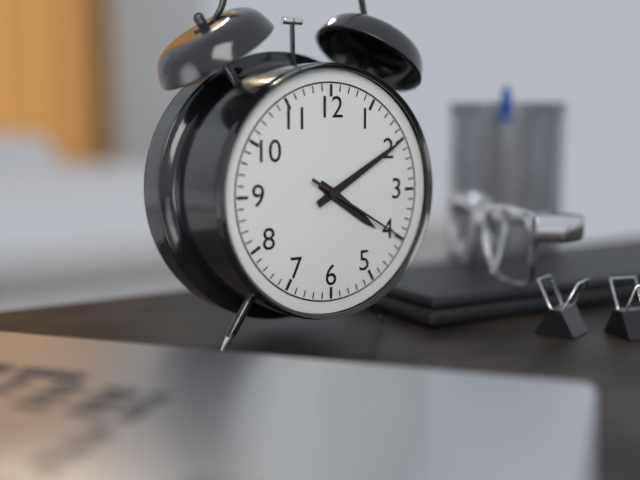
4:10:20
